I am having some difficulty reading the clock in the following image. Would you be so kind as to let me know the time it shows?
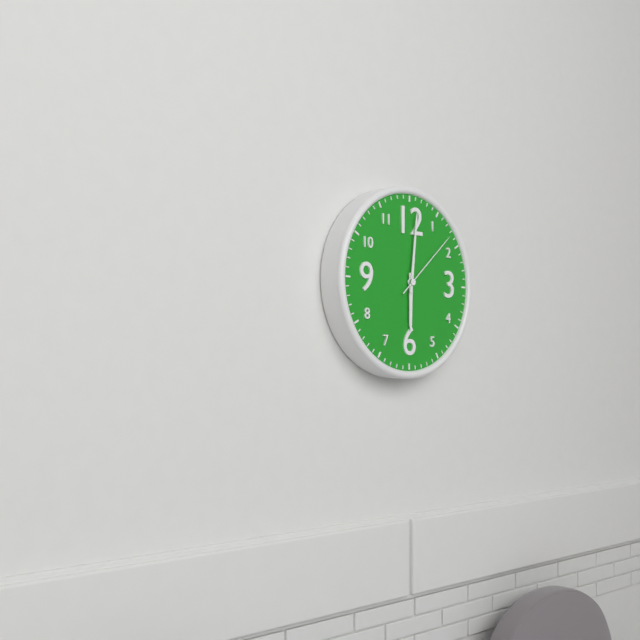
6:01:08
